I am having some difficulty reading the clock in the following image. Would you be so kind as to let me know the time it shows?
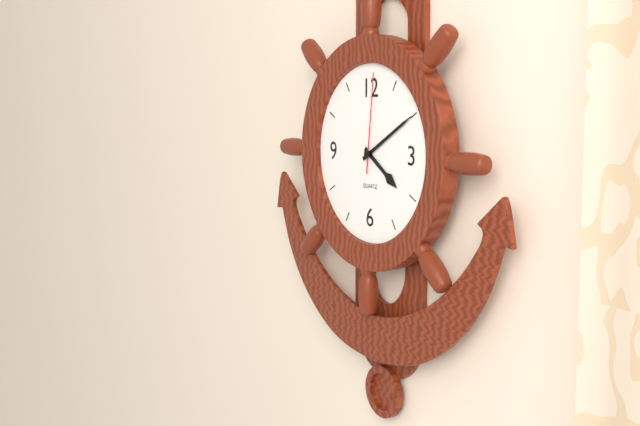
4:10:01
